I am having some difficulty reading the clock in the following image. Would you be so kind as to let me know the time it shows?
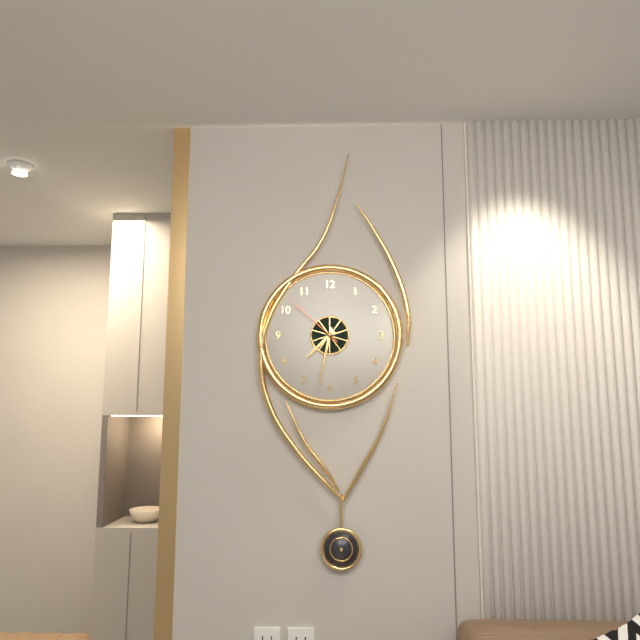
7:32:52
